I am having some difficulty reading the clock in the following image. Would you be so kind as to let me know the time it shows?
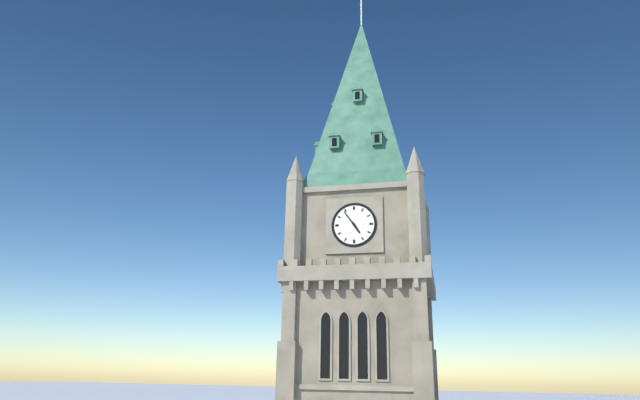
4:54
